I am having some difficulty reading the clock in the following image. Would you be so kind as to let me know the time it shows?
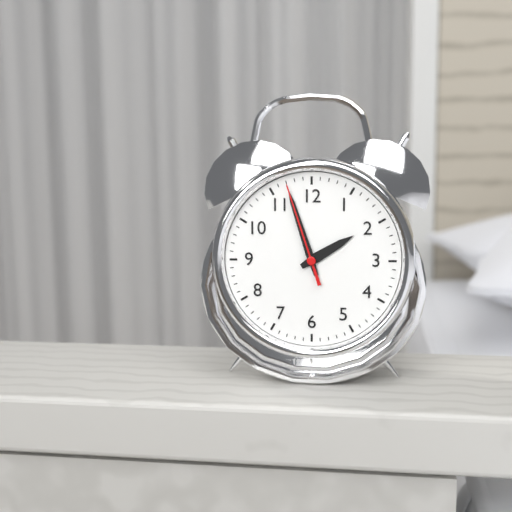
1:57:57
